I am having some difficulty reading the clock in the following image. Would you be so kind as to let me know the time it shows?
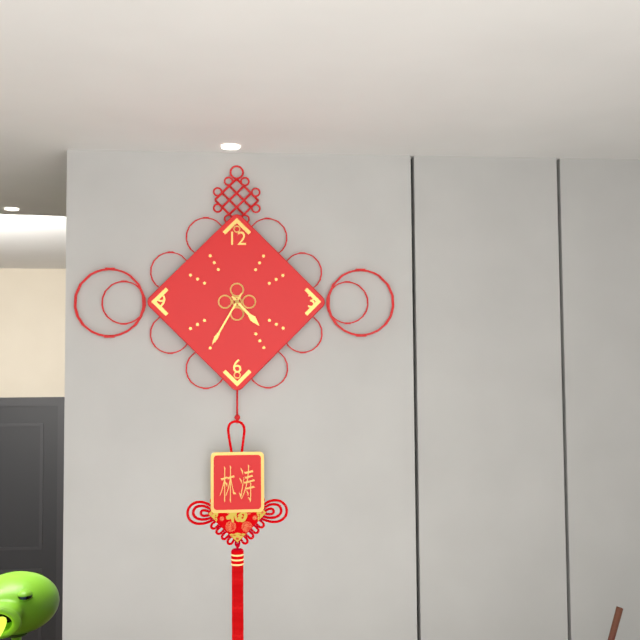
4:35
